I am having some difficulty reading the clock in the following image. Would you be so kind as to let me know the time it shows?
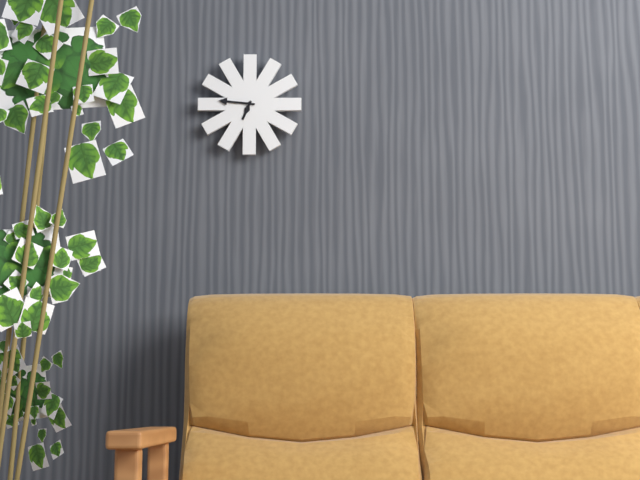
6:46
